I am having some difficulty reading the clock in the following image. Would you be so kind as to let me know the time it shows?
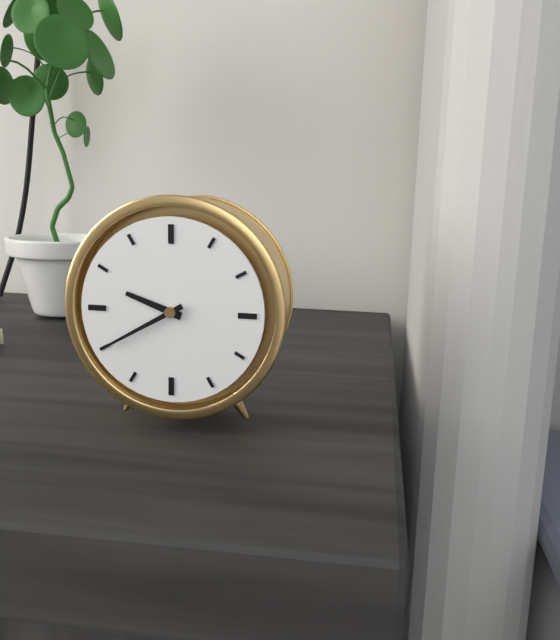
9:40
